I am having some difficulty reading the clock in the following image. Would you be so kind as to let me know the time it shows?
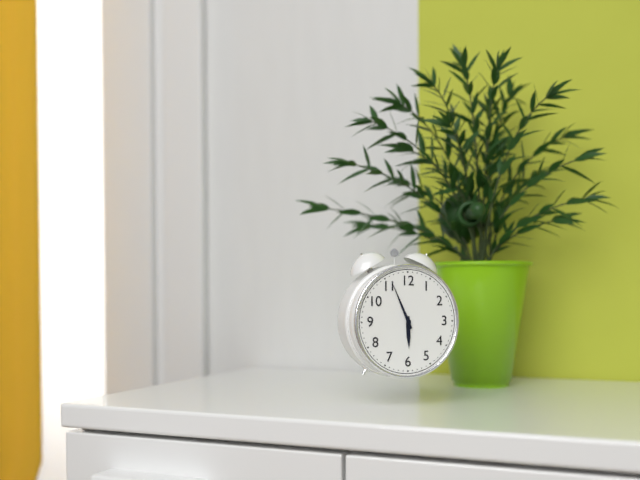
5:56
